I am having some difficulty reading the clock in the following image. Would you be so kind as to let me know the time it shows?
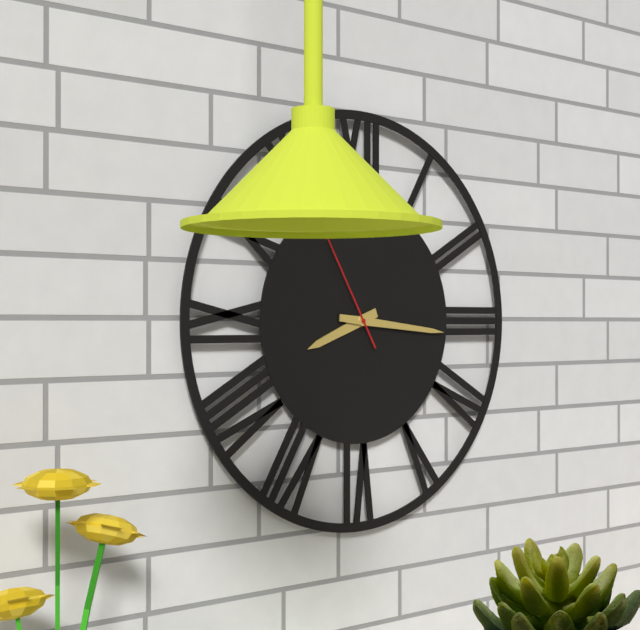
8:16:55
